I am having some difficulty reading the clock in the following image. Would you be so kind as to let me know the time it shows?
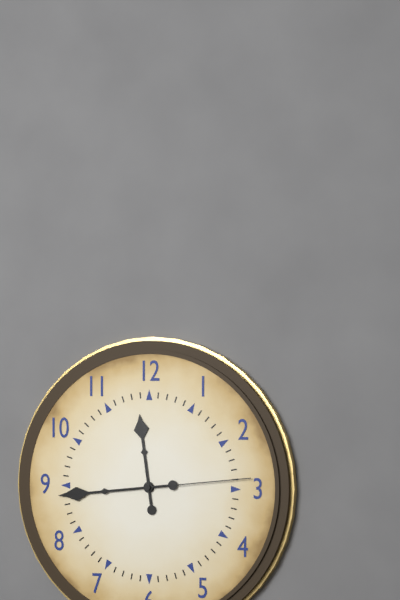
11:44:14
